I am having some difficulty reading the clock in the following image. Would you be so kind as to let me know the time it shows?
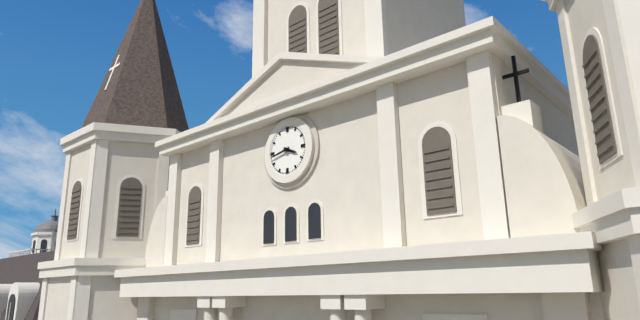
3:43
